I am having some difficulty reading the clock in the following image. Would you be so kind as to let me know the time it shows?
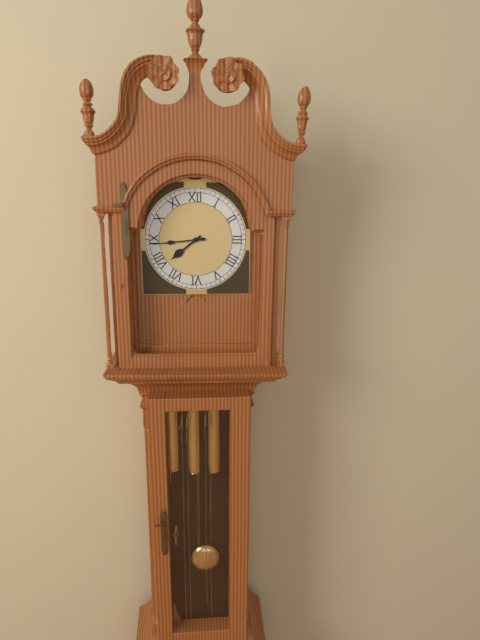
7:44
